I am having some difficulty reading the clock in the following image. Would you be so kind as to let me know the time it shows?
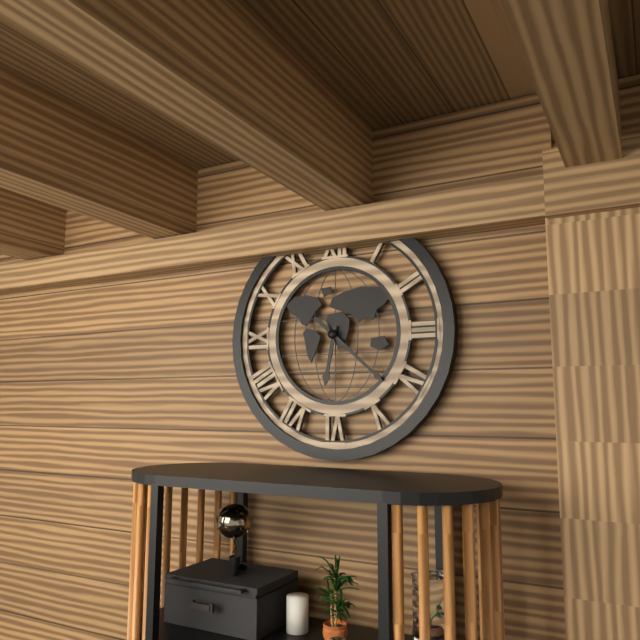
6:22
